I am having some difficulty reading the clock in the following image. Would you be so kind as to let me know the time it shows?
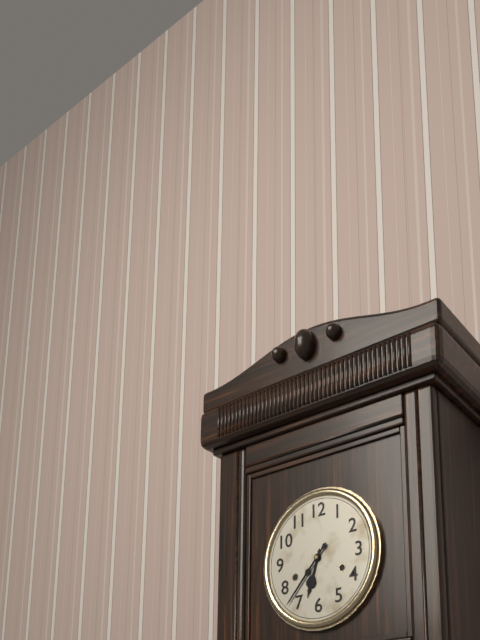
6:37
